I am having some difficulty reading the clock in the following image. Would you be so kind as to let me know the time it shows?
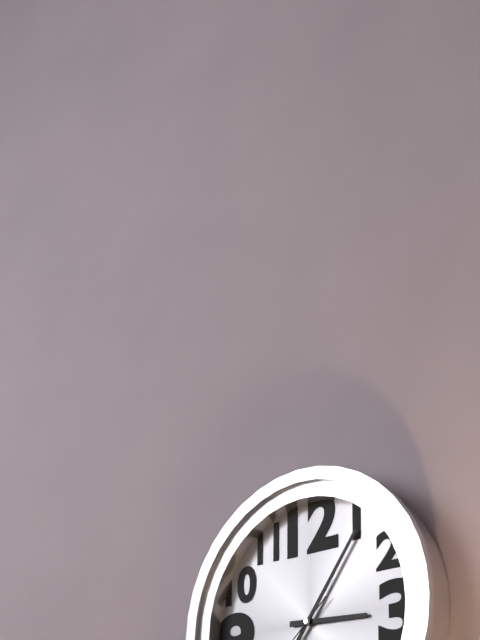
3:06
